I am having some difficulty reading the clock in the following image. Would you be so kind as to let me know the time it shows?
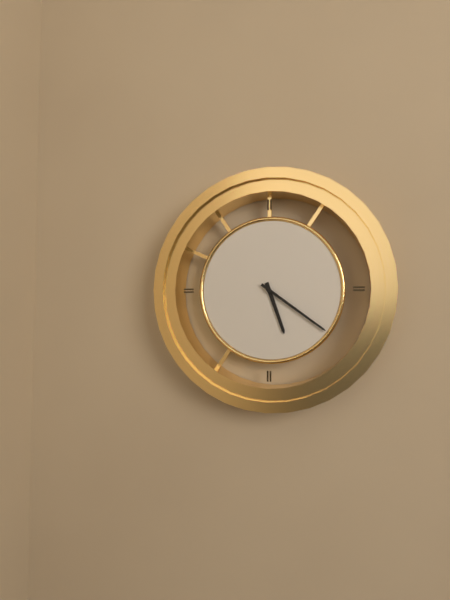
5:21
